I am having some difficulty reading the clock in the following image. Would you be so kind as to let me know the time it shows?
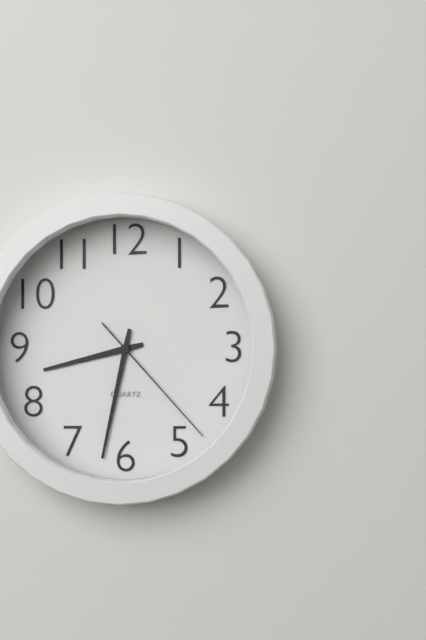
8:32:23
